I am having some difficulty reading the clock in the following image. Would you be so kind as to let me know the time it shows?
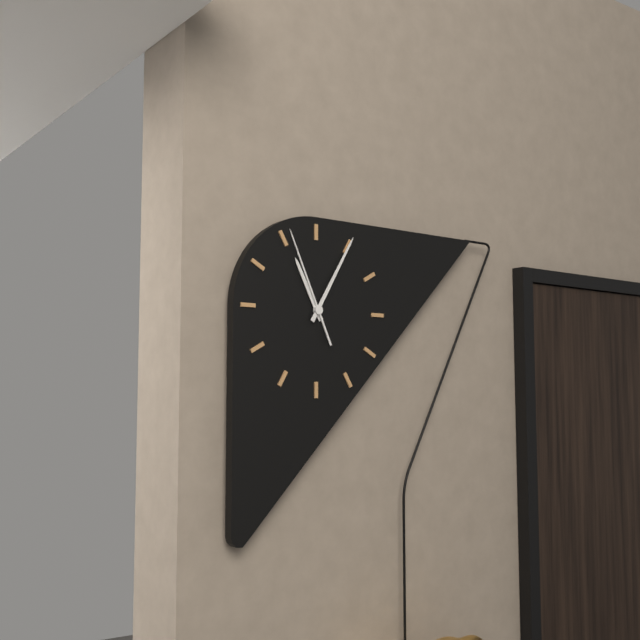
11:05:56
